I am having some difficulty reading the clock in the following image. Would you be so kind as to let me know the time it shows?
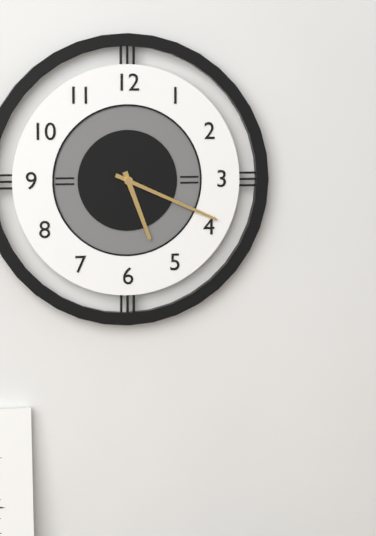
5:19
